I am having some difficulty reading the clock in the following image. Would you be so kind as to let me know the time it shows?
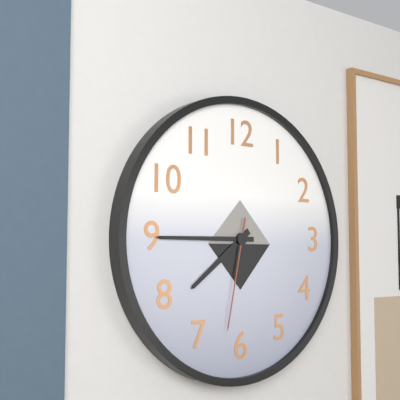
7:45:32
